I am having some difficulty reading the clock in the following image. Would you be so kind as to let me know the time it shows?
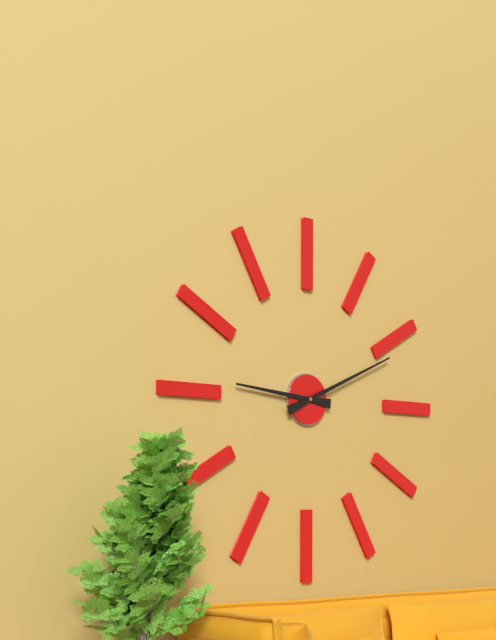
9:11
